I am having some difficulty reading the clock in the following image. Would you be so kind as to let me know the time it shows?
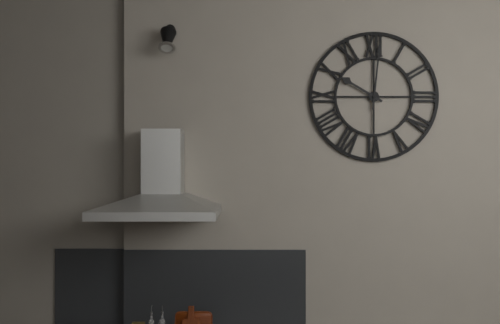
10:01
